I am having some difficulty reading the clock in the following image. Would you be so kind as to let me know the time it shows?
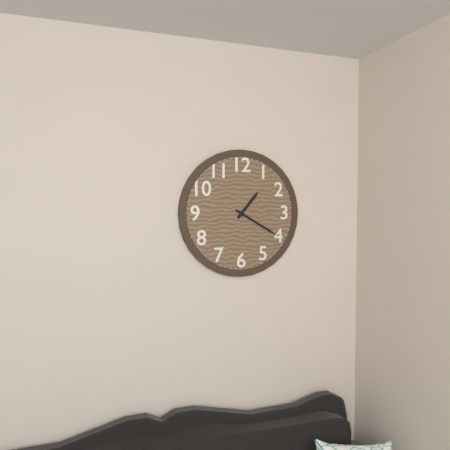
1:20
